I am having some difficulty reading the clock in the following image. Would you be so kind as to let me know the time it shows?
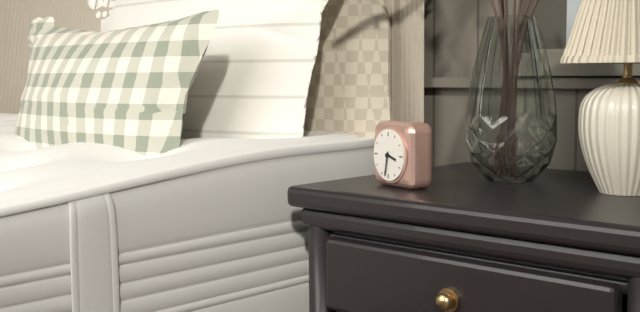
3:32
